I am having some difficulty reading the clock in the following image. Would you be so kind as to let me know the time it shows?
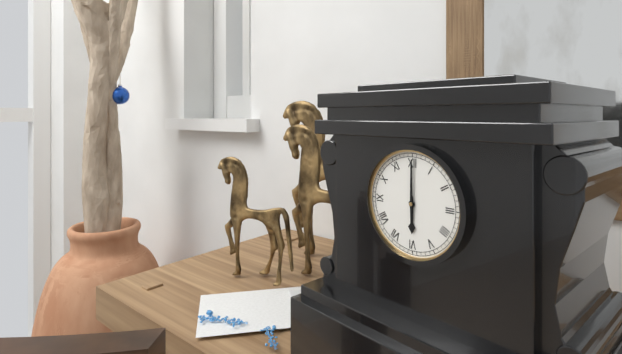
6:00
